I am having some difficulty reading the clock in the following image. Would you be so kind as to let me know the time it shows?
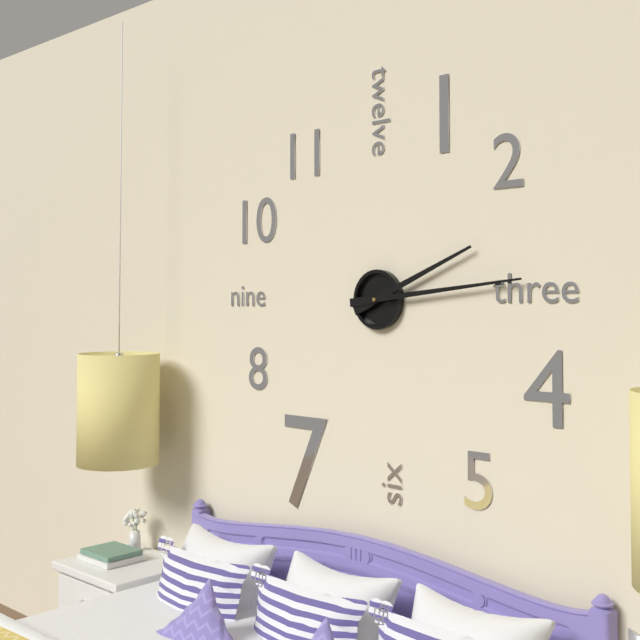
2:14
